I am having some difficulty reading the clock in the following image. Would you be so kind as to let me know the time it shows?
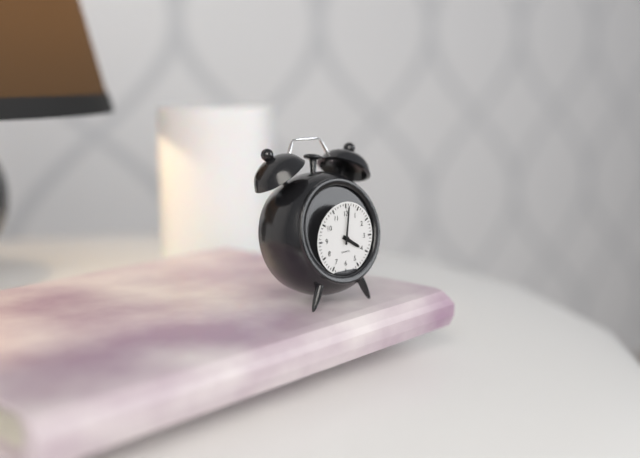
4:01
